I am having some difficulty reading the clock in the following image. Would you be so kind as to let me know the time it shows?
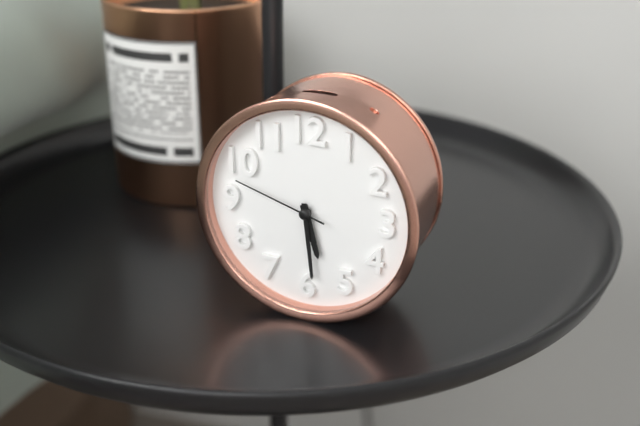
5:29:48
